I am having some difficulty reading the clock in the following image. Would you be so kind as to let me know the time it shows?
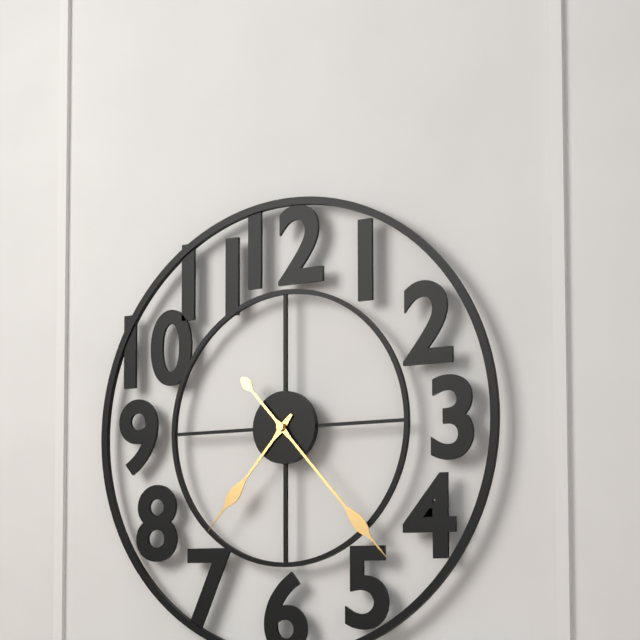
7:23
